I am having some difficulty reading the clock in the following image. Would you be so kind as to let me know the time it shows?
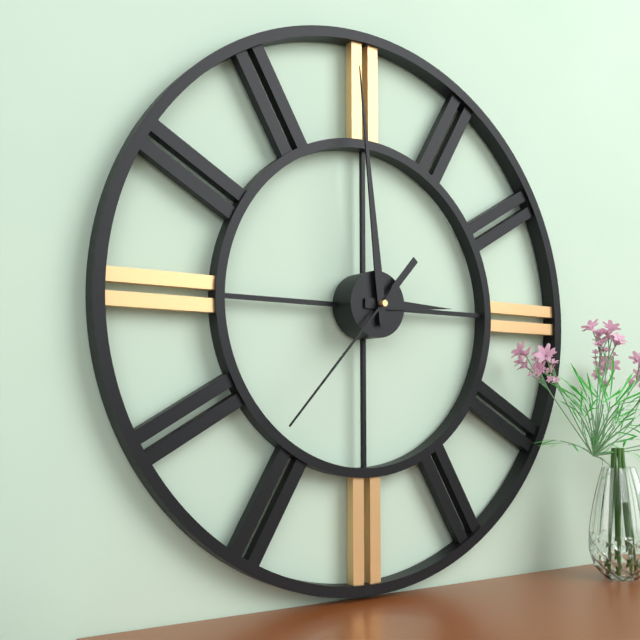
2:59:37
